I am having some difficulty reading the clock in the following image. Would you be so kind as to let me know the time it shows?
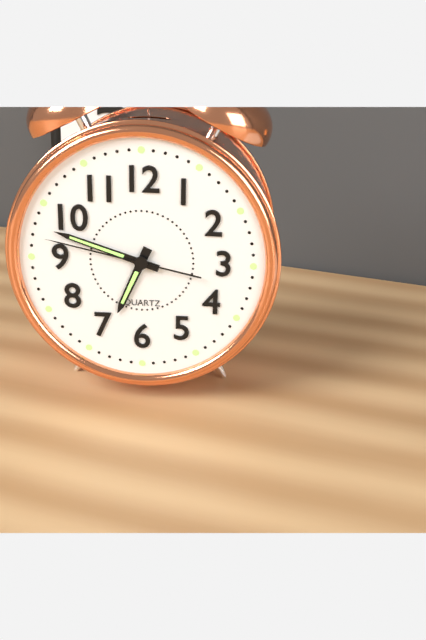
6:48:47
